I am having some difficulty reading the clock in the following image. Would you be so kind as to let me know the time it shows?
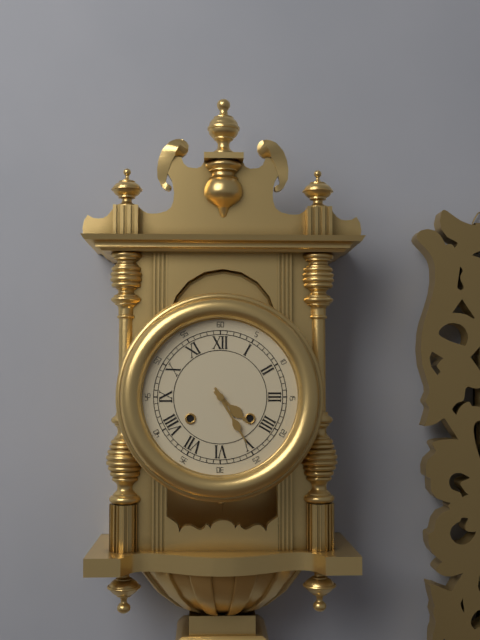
4:25
